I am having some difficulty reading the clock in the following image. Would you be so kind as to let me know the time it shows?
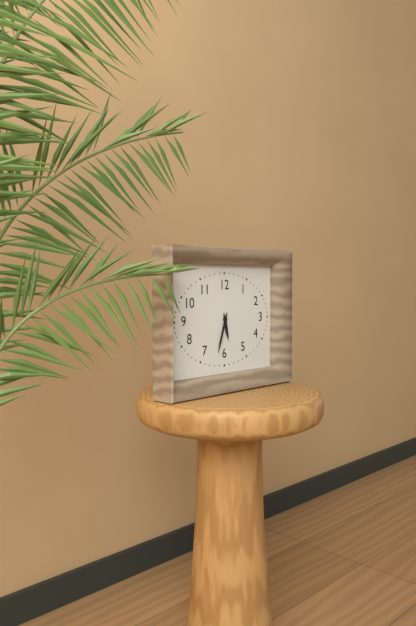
5:33
